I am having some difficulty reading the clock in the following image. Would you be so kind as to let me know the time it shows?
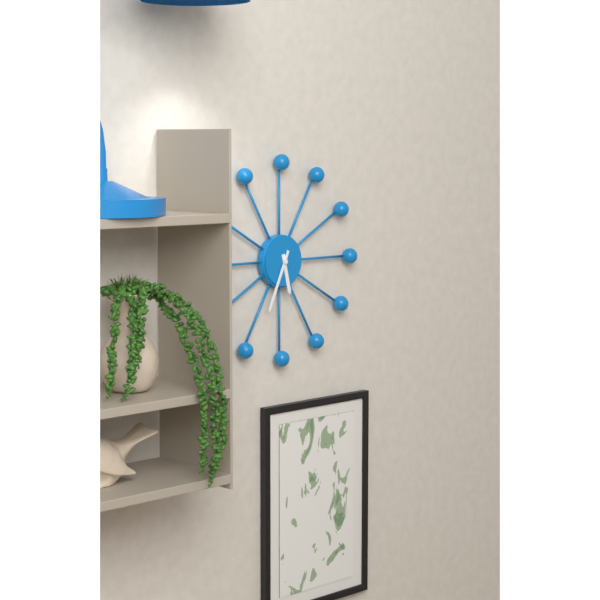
5:34
